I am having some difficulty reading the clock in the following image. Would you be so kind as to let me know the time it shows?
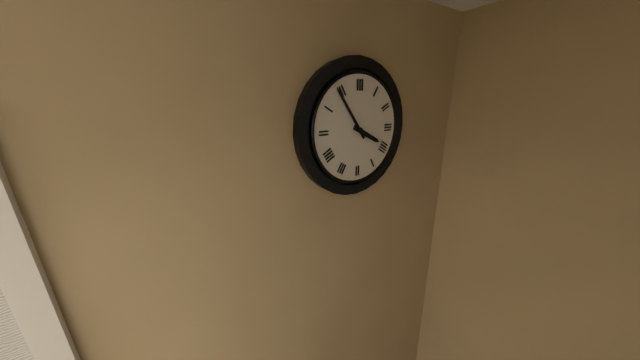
3:54
